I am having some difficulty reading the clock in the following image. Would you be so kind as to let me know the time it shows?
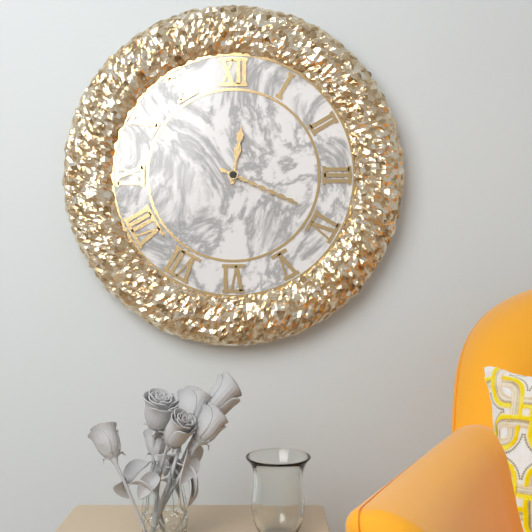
12:19
